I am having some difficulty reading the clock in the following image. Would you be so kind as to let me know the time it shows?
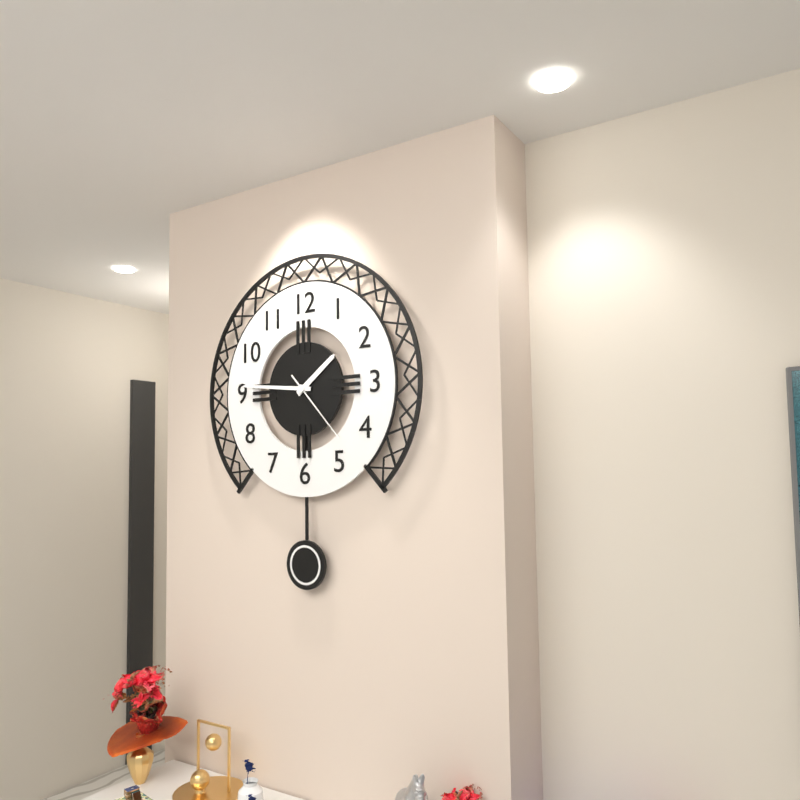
1:46:23
